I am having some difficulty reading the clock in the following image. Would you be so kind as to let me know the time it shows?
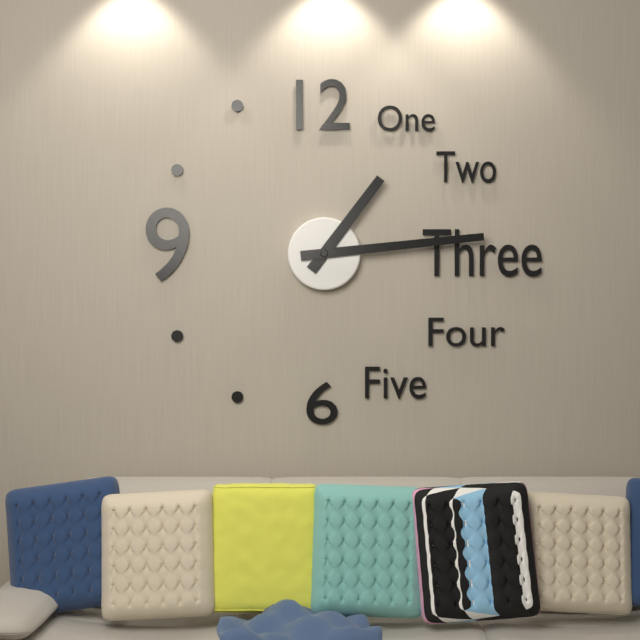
1:14
